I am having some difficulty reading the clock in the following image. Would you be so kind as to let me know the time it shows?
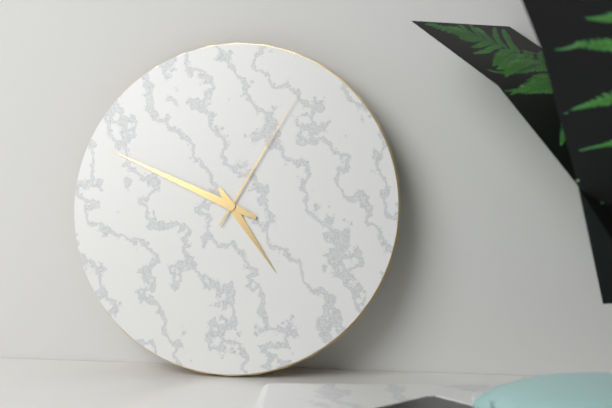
4:49:05
